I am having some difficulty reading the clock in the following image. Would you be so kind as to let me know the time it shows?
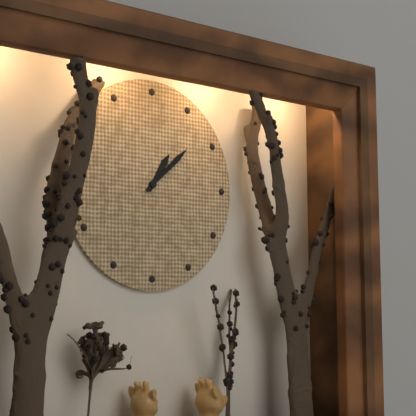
1:08
